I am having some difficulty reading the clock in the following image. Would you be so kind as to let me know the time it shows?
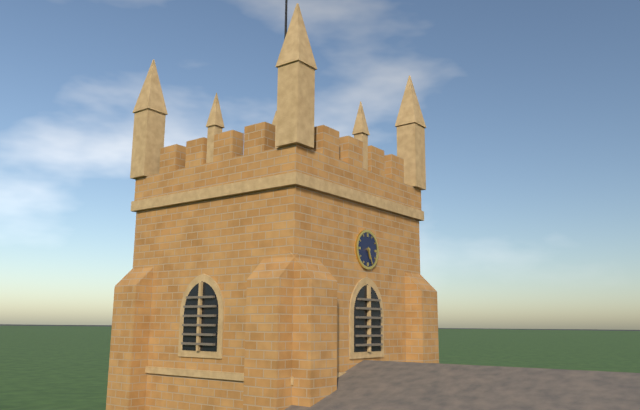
5:26
